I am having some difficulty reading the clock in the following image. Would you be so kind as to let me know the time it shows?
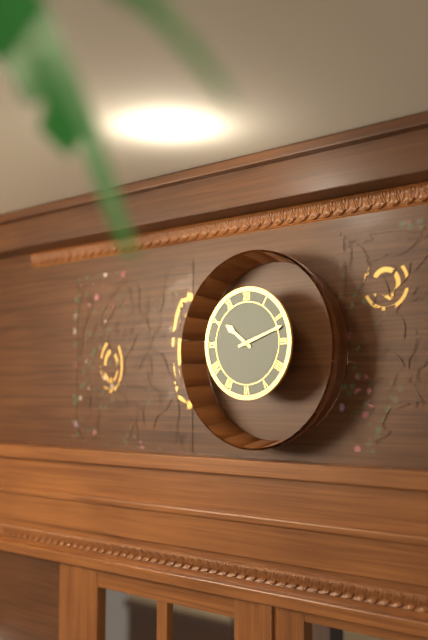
10:12
